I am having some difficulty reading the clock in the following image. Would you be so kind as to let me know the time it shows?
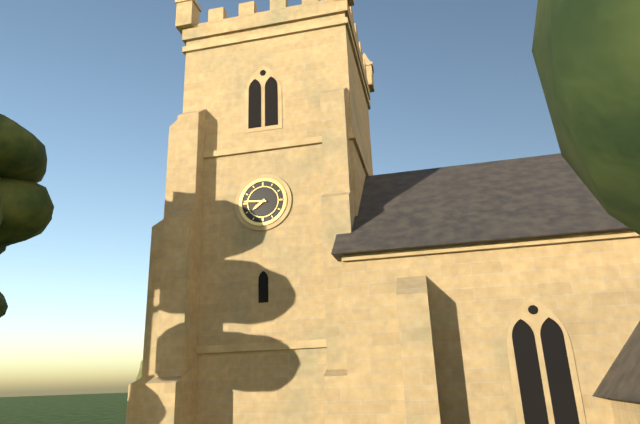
7:46
